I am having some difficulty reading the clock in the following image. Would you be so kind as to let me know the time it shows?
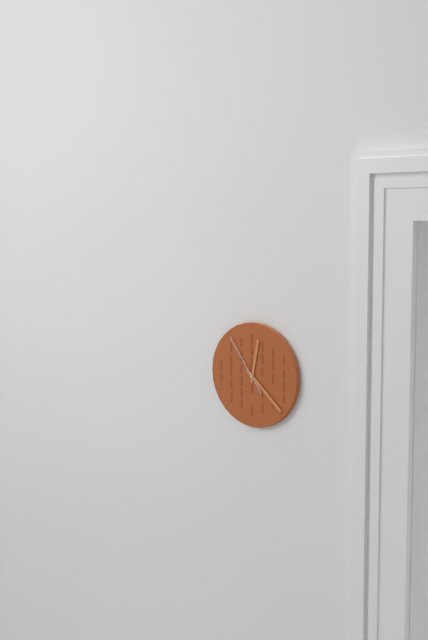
12:22:54
